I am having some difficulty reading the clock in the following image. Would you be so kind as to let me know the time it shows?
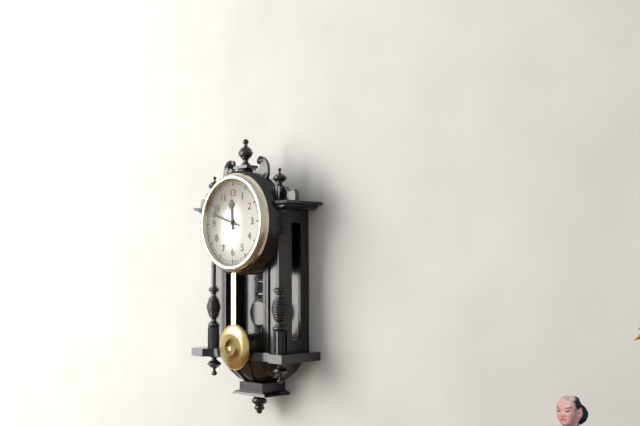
11:48
